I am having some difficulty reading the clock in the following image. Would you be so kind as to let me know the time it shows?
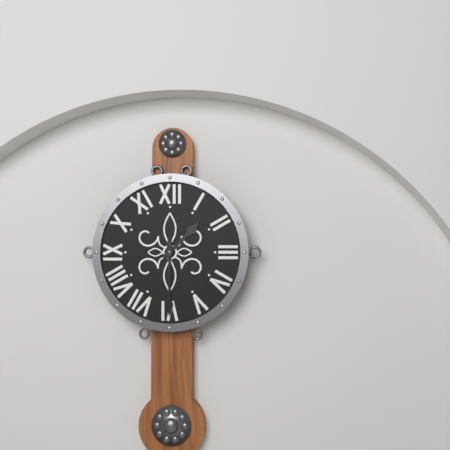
1:30
